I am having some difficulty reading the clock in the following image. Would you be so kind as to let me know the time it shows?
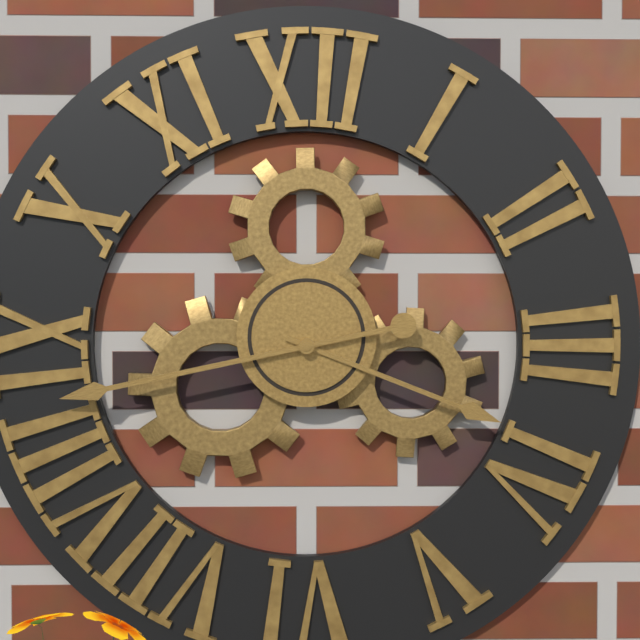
3:43
